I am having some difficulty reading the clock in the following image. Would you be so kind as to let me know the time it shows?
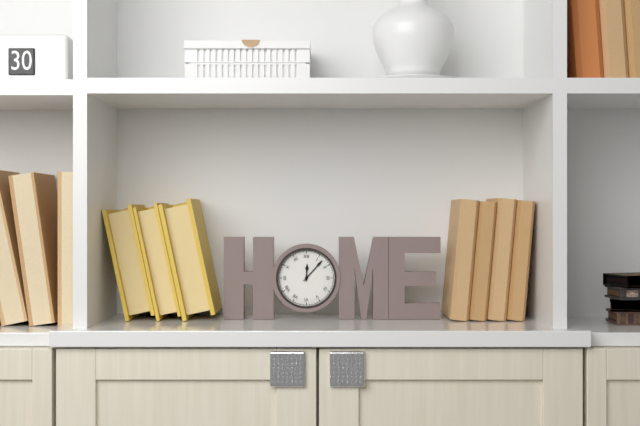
12:07
